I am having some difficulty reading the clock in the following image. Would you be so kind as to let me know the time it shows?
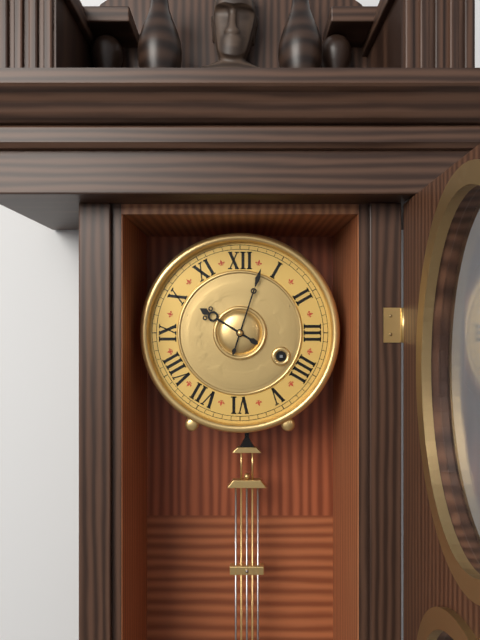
10:03
